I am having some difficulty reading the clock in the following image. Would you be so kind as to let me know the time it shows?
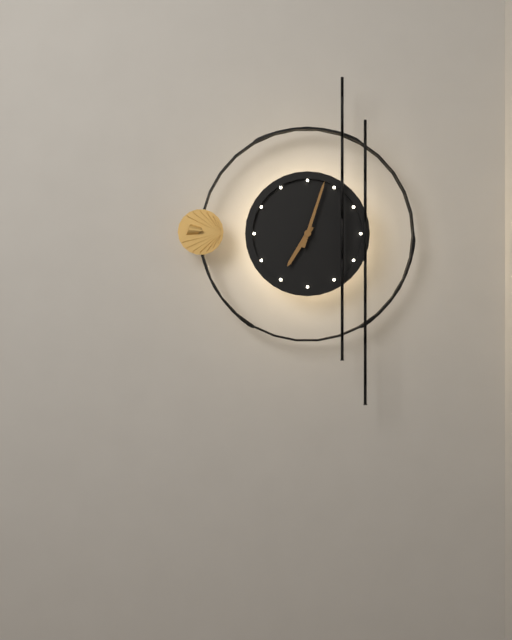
7:03
